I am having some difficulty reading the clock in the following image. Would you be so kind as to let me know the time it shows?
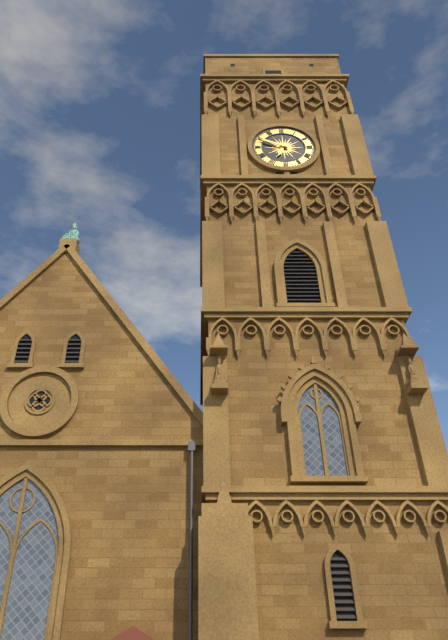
6:49
